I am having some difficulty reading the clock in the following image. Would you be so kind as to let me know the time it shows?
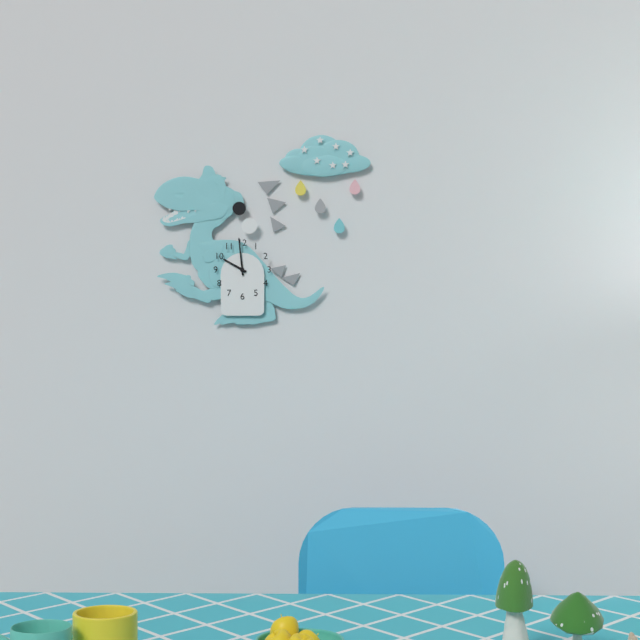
9:59
